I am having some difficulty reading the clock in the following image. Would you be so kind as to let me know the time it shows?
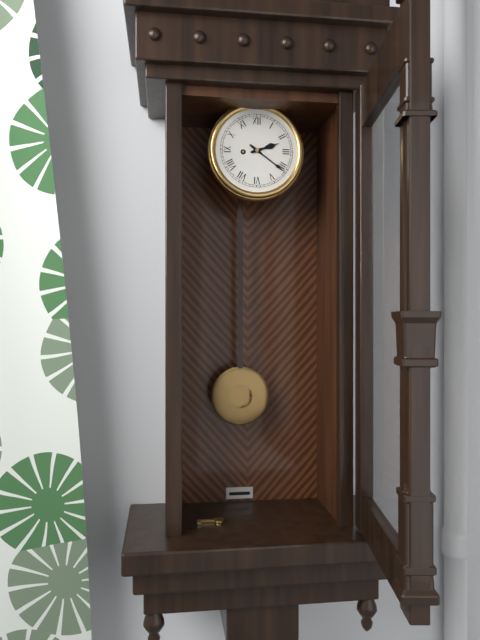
2:21
